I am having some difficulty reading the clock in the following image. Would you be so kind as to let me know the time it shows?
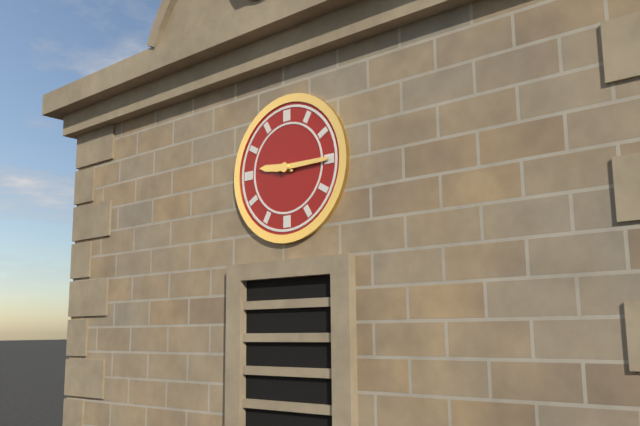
9:15
